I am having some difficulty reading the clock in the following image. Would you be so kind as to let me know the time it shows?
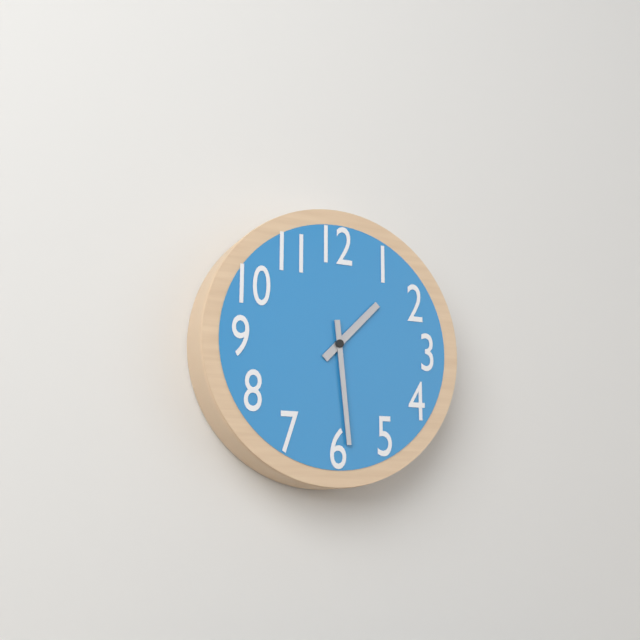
1:29
